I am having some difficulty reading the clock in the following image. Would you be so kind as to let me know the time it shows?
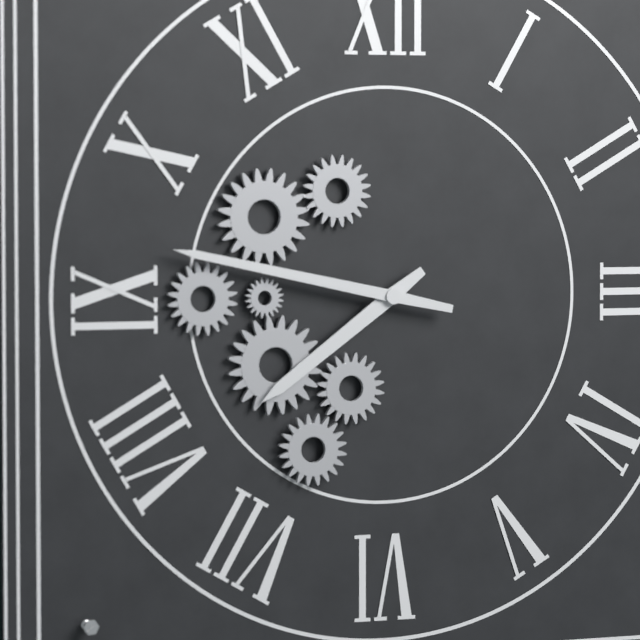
7:47
